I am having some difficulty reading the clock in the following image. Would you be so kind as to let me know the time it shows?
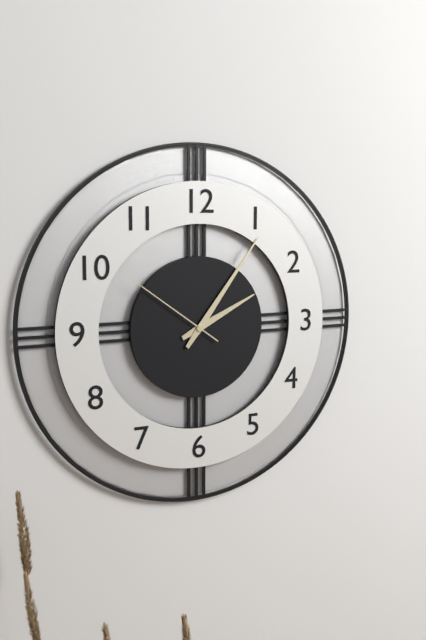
2:06:51
